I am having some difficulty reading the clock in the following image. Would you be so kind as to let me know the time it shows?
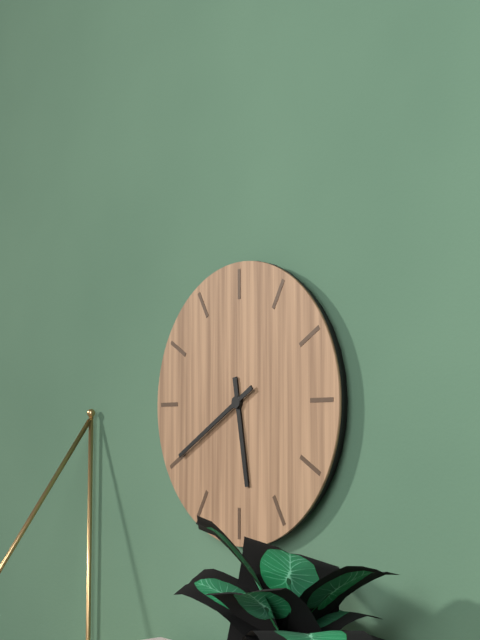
5:40
